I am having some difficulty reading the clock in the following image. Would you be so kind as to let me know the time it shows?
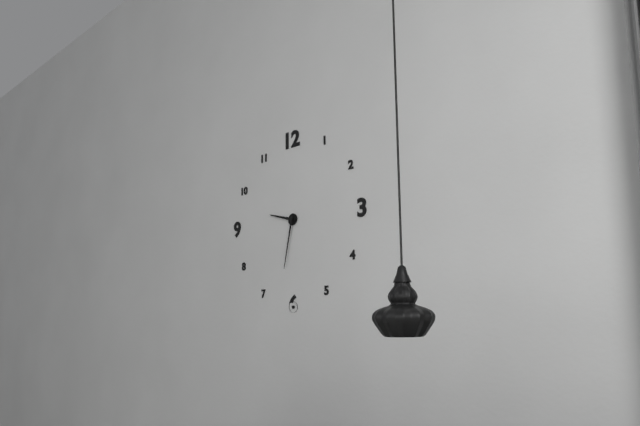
9:32
